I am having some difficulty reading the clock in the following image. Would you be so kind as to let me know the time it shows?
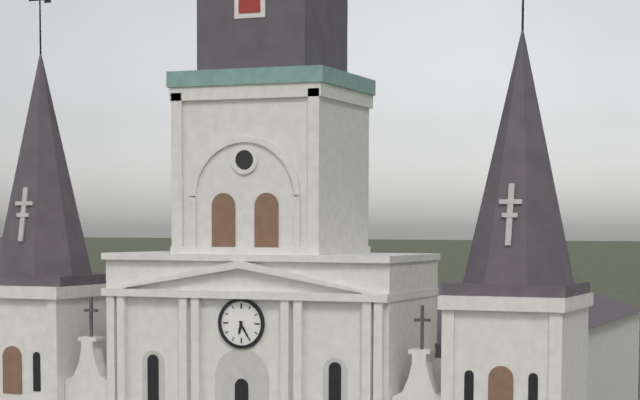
6:25
